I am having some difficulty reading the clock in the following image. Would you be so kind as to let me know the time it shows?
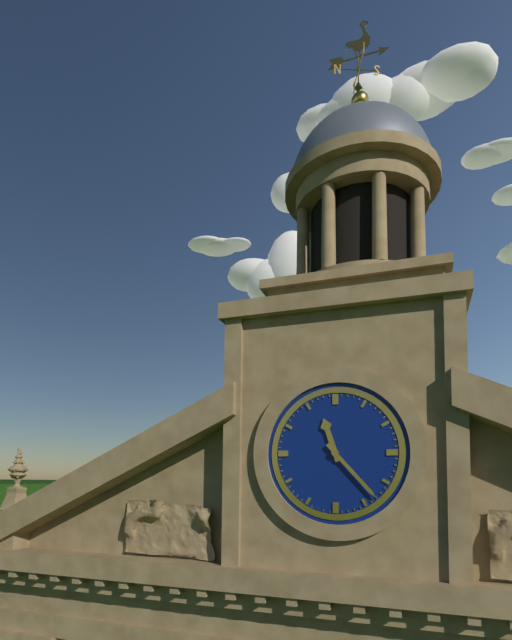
11:23
